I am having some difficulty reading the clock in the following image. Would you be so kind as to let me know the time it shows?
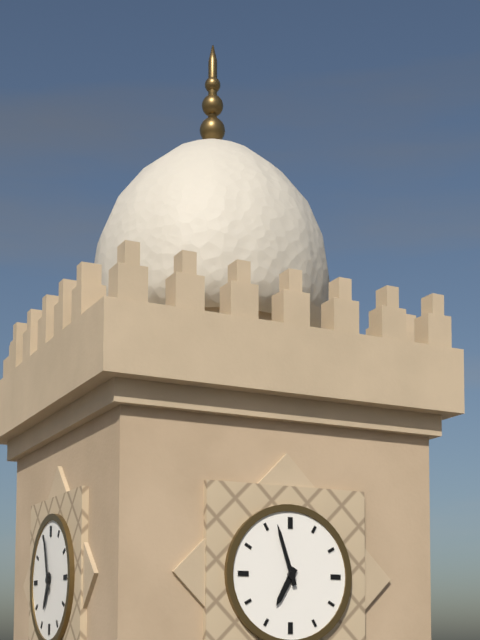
6:57
